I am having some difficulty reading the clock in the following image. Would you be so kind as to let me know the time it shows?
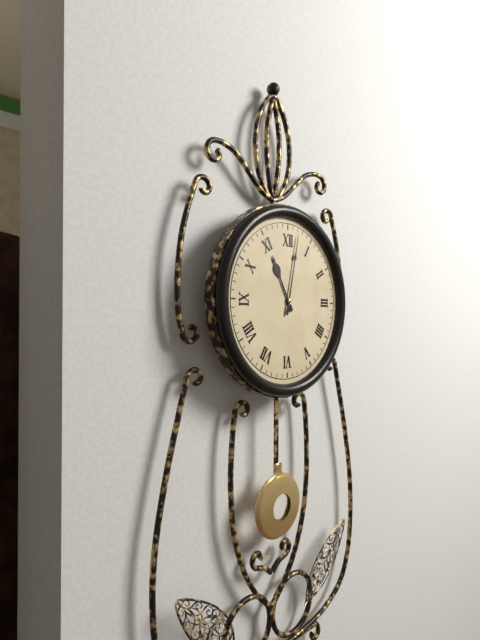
11:02
